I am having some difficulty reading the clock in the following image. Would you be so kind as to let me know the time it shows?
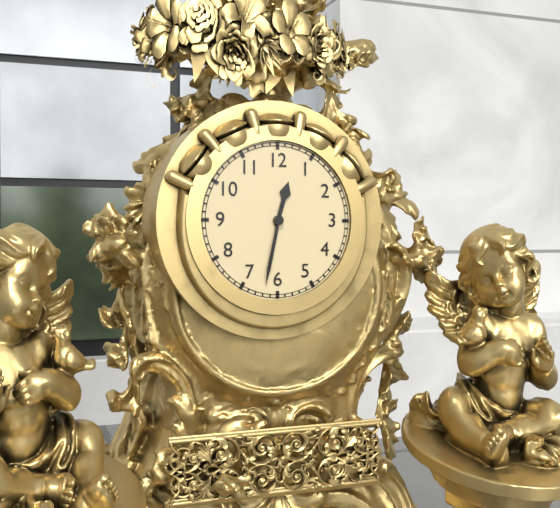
12:32
